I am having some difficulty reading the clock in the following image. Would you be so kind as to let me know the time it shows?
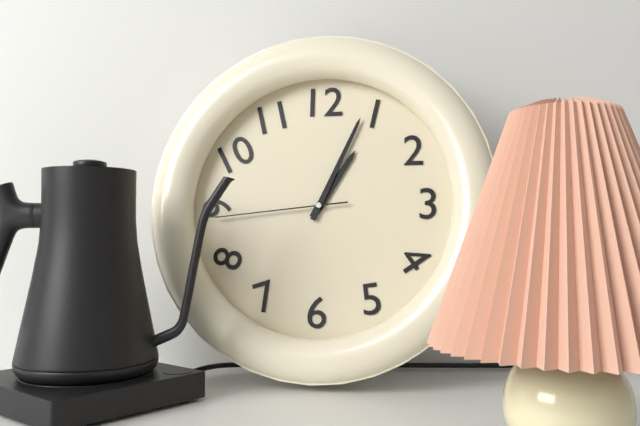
1:04:44
